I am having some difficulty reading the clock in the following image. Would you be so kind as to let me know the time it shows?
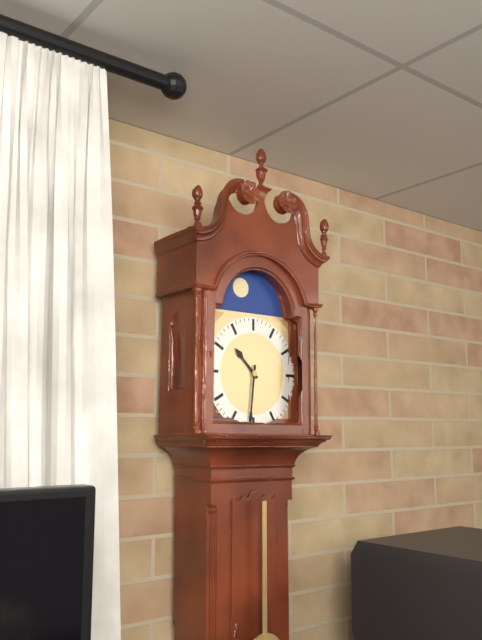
10:31
